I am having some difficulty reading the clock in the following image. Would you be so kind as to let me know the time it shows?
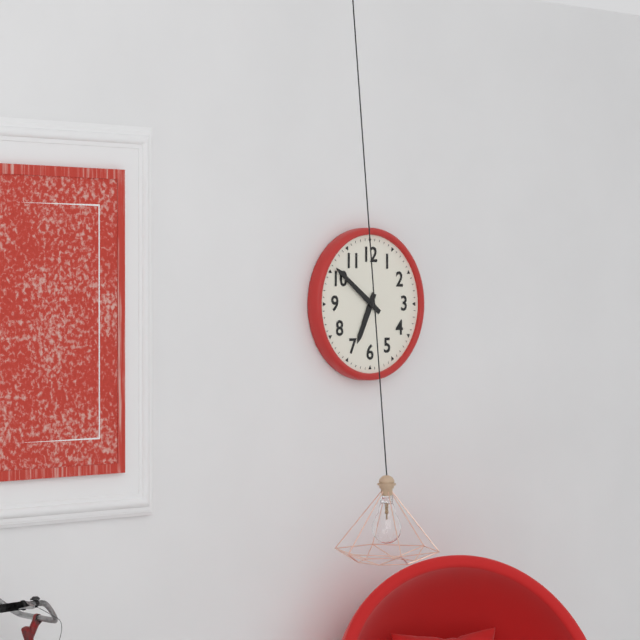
6:51
